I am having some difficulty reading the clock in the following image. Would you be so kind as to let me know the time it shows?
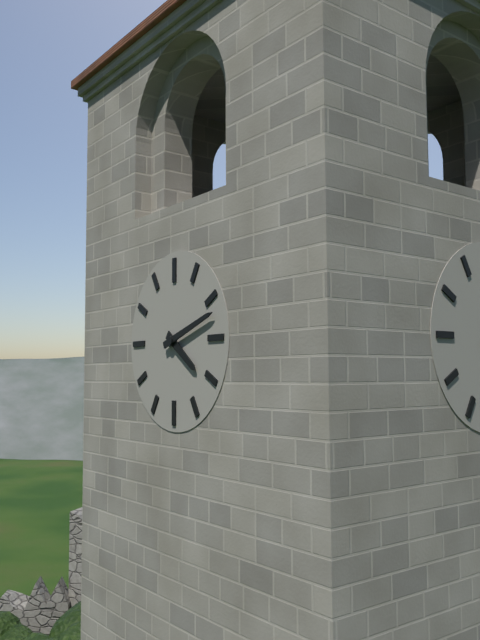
4:12
